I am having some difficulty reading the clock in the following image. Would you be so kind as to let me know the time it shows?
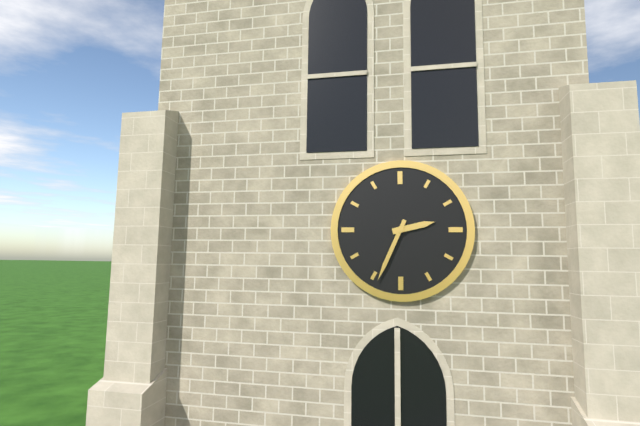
2:34
